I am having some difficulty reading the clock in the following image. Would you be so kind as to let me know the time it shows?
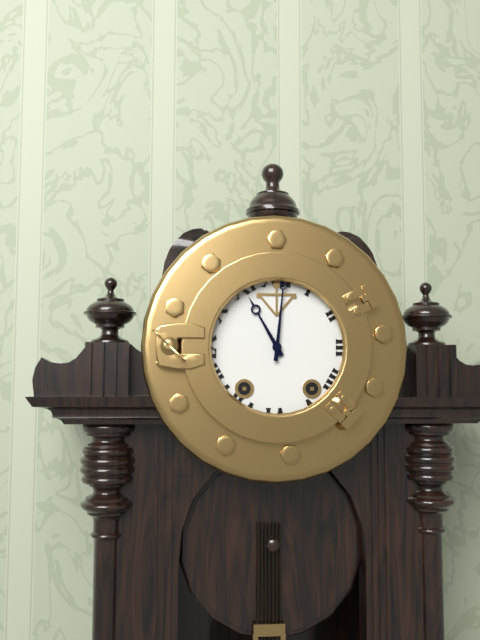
11:01
